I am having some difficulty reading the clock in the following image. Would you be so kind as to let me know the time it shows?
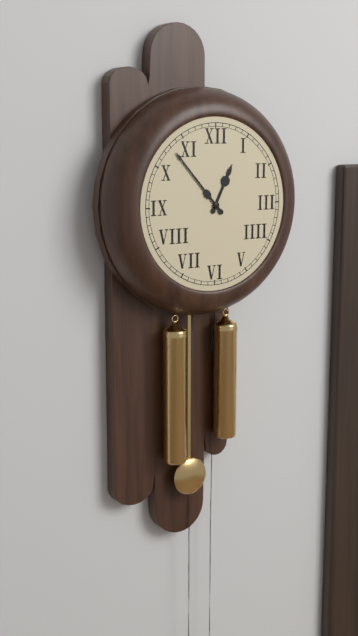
12:53
